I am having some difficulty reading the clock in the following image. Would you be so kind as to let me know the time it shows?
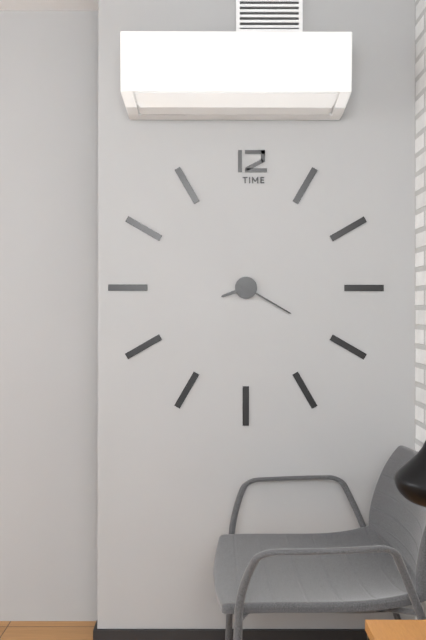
8:20
